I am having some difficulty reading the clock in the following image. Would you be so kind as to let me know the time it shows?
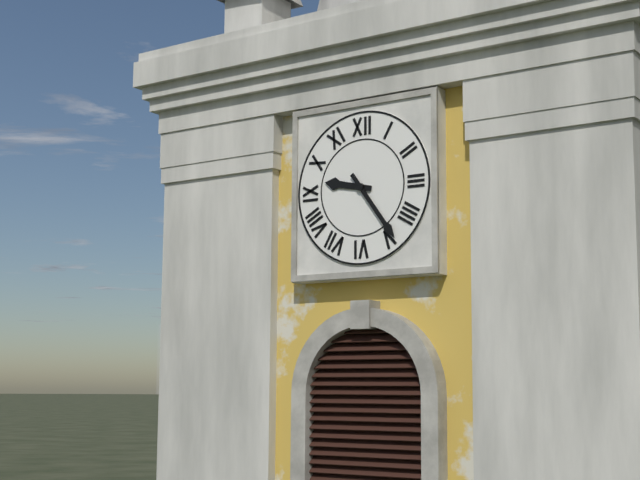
9:24
